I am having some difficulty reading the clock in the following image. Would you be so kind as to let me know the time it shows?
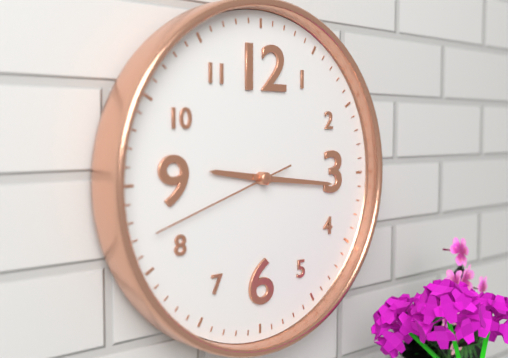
9:16:42
